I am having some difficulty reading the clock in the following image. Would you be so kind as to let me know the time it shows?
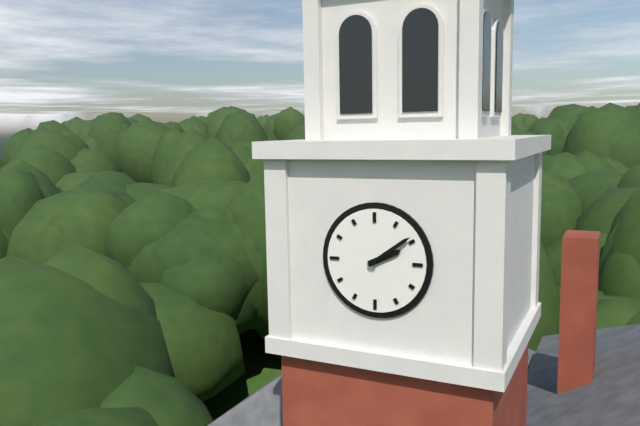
2:09
